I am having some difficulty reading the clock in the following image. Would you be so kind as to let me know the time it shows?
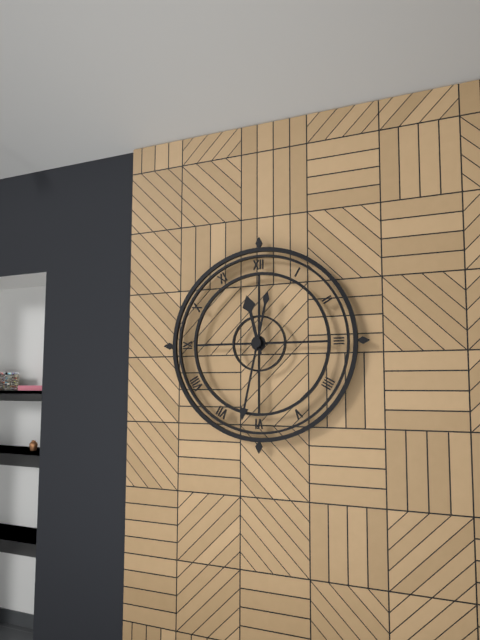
11:32
